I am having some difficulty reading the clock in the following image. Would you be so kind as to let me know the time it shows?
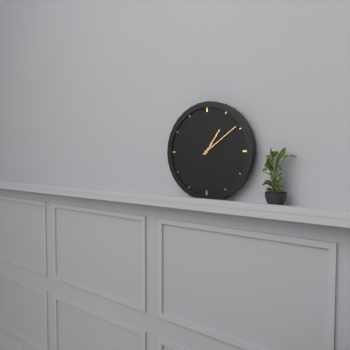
1:09
